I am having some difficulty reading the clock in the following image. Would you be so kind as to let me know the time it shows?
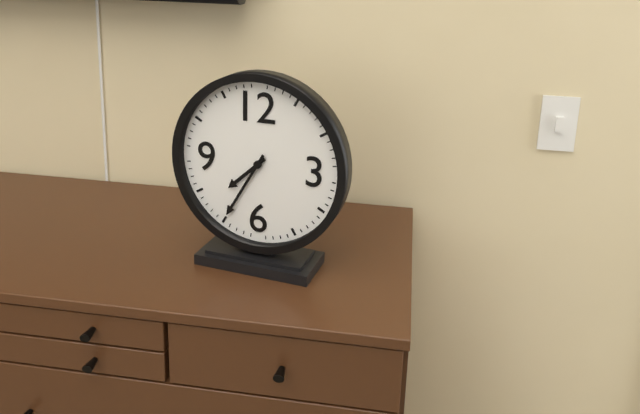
7:35
